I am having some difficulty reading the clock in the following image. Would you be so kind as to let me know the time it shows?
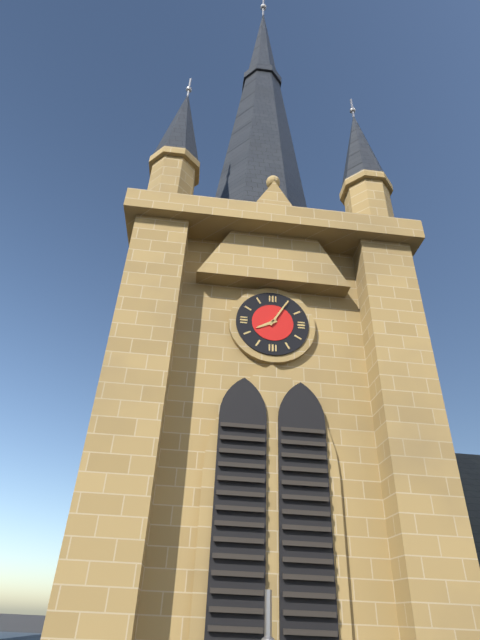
8:05
